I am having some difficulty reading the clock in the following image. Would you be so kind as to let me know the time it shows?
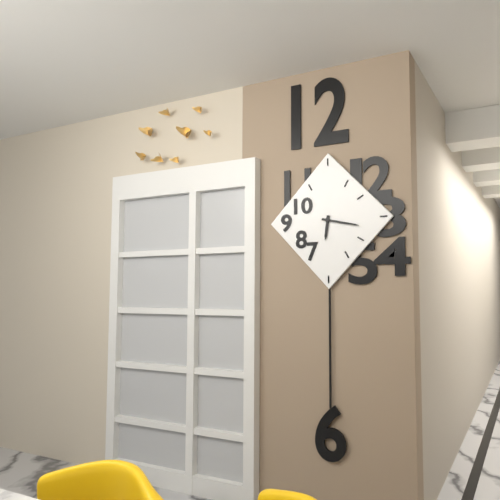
6:17
